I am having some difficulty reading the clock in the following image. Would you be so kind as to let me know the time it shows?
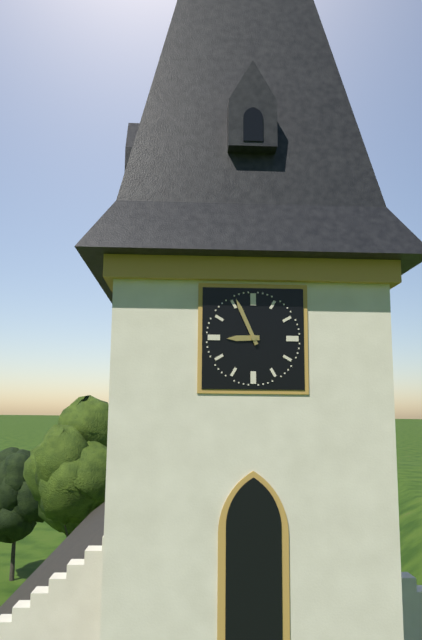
8:56
